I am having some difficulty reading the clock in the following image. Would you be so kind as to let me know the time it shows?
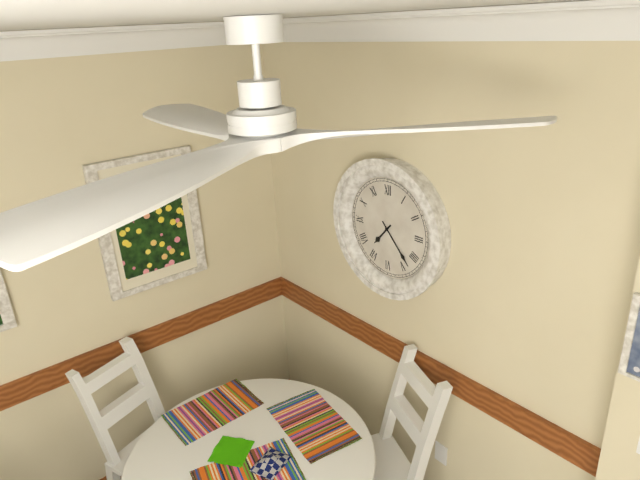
7:23
